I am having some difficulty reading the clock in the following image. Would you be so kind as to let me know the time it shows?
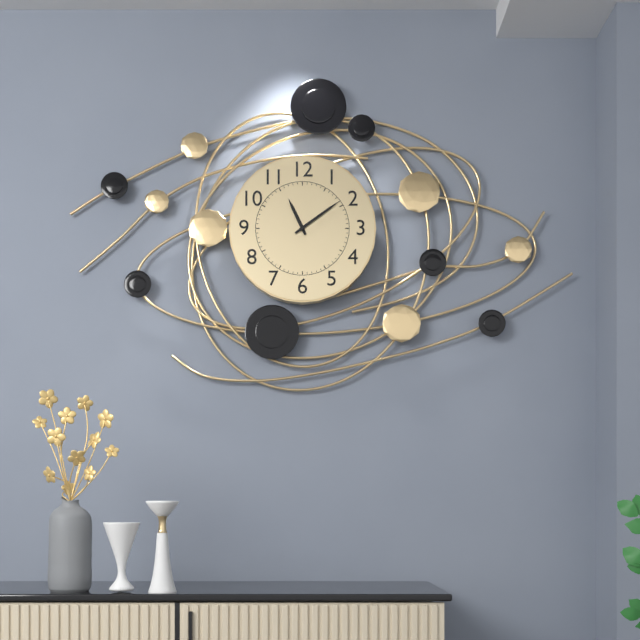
11:09
